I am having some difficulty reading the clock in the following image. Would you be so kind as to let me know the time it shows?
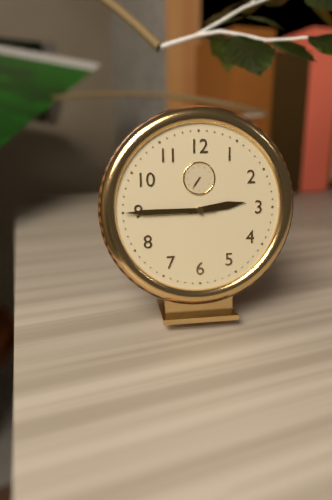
2:45
